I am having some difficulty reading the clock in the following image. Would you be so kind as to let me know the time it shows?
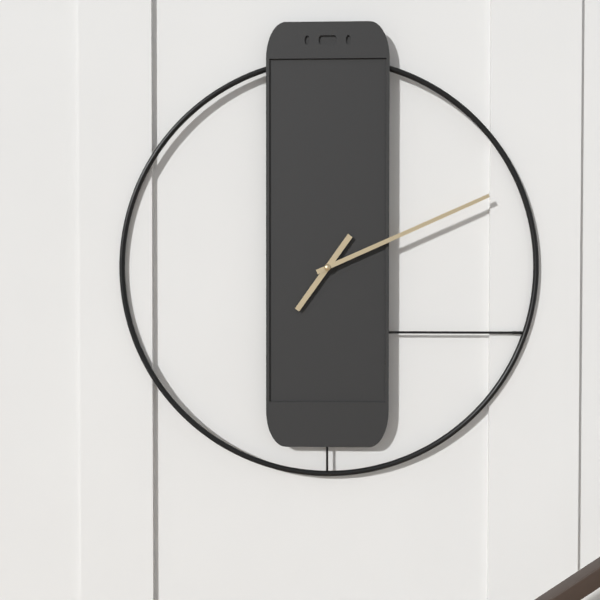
7:11
